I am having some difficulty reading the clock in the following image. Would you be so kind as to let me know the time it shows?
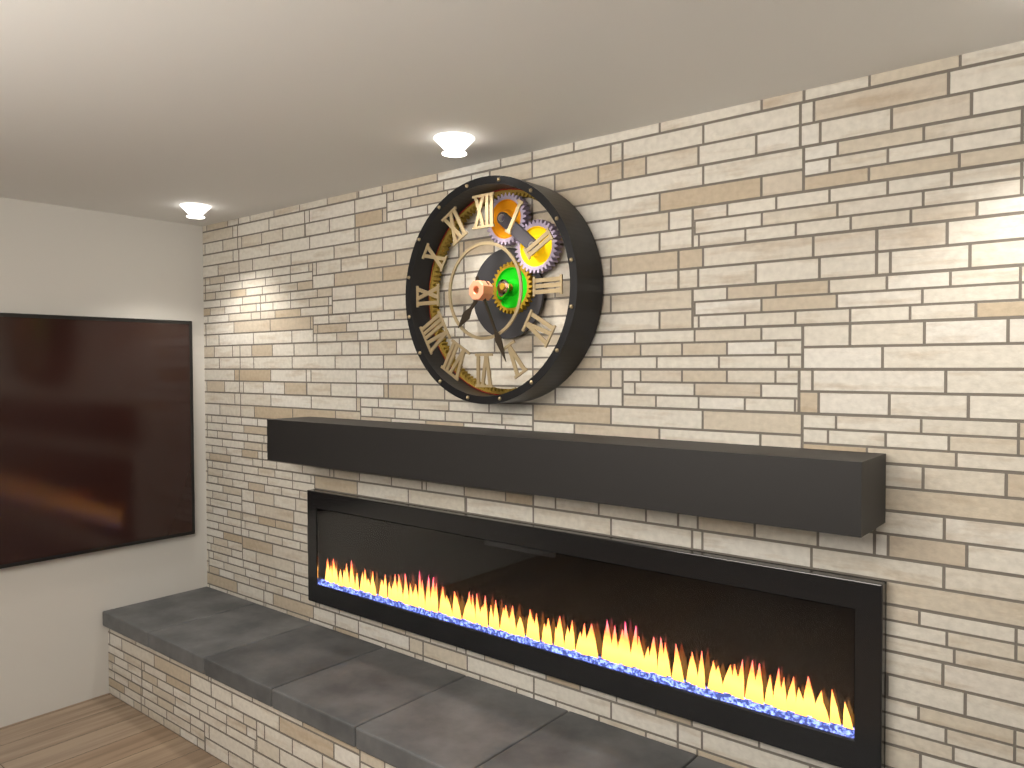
7:26
